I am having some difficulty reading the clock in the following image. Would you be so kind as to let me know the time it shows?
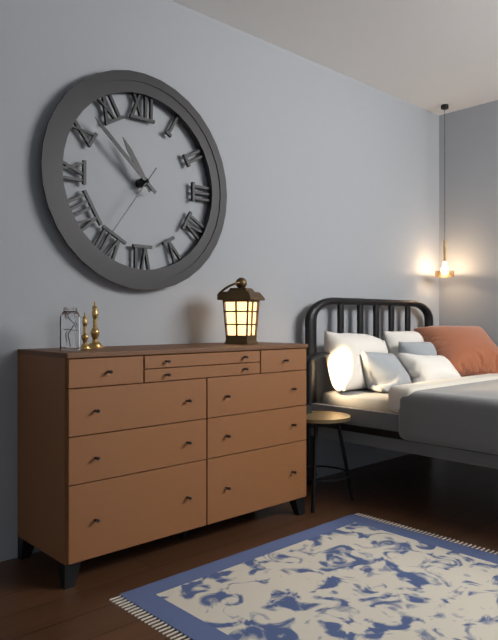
10:52:36
